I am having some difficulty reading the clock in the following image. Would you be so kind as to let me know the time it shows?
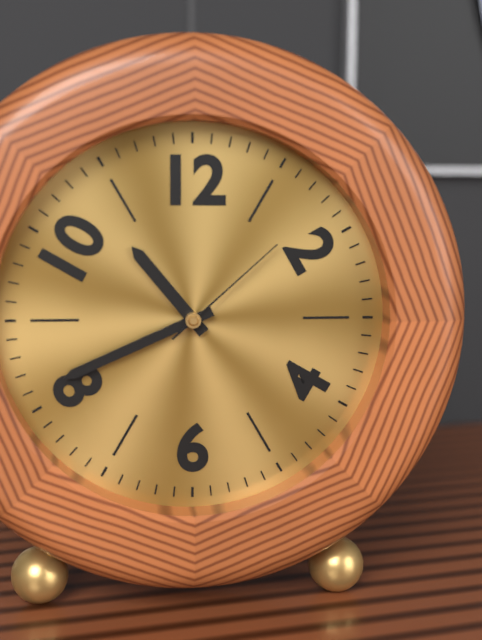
10:41:08
